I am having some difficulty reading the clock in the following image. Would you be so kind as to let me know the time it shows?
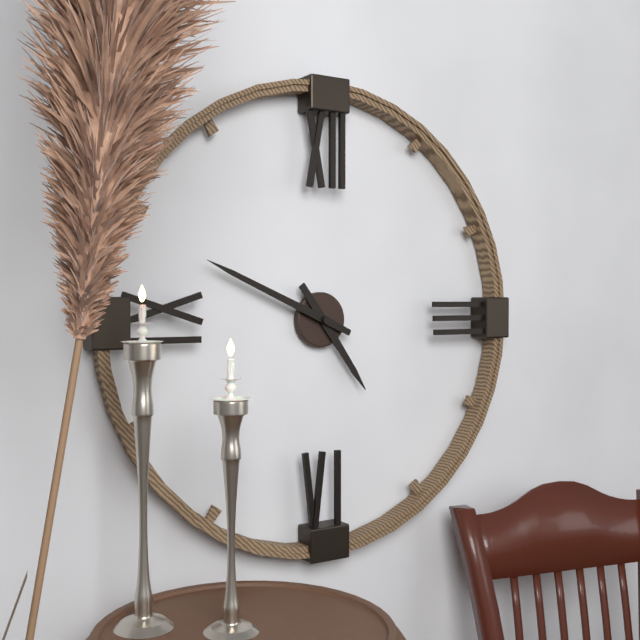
4:49
